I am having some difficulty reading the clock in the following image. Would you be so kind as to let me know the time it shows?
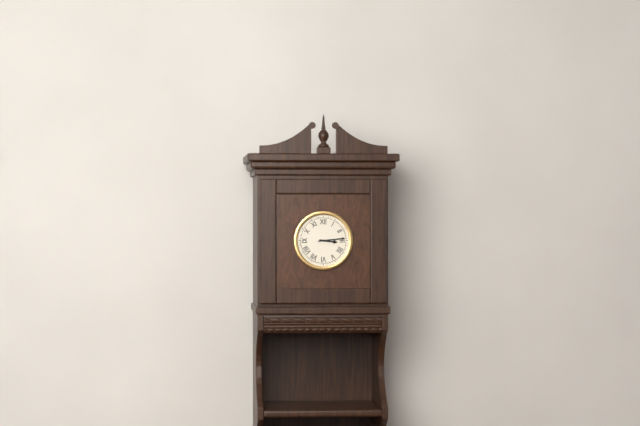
3:14
